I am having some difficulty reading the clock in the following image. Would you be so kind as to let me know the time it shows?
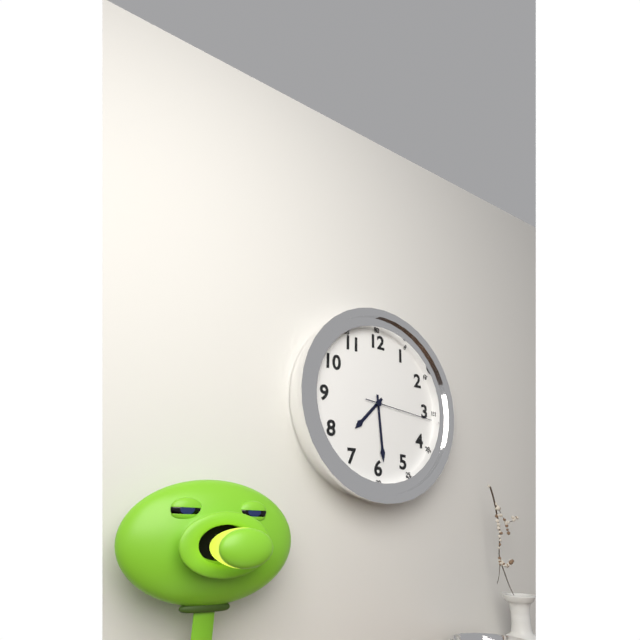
7:29:16
